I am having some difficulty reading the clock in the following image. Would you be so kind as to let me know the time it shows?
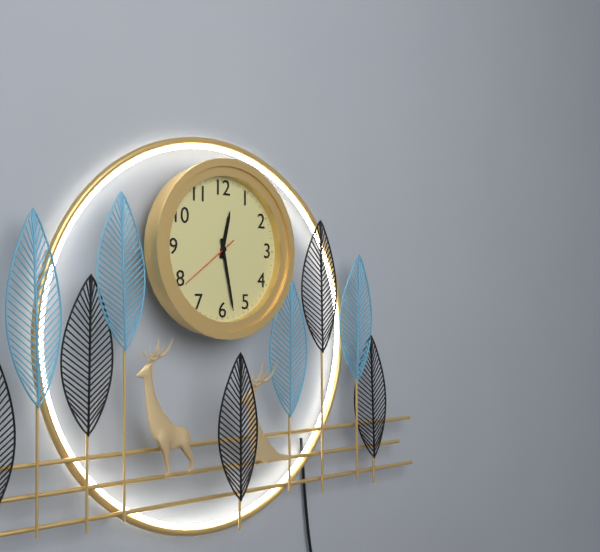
12:28:39
